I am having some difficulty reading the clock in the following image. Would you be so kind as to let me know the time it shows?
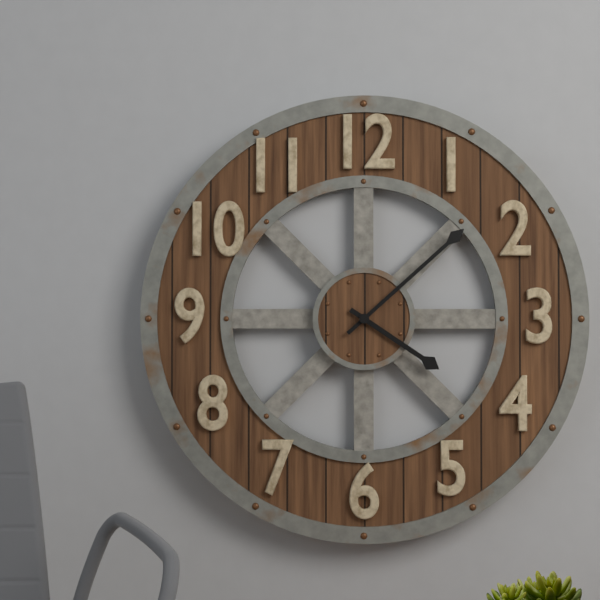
4:08
